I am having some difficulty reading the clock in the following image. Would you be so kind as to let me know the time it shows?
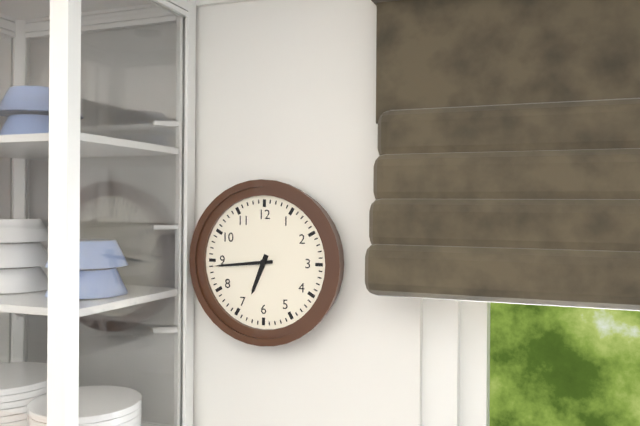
6:44
